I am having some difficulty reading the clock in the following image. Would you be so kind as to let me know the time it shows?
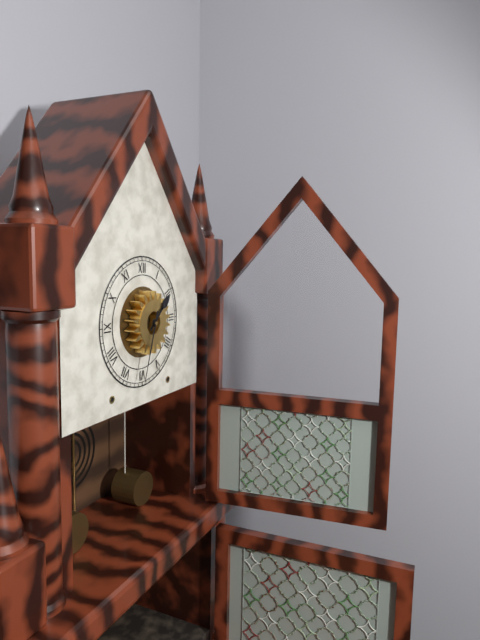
1:33
